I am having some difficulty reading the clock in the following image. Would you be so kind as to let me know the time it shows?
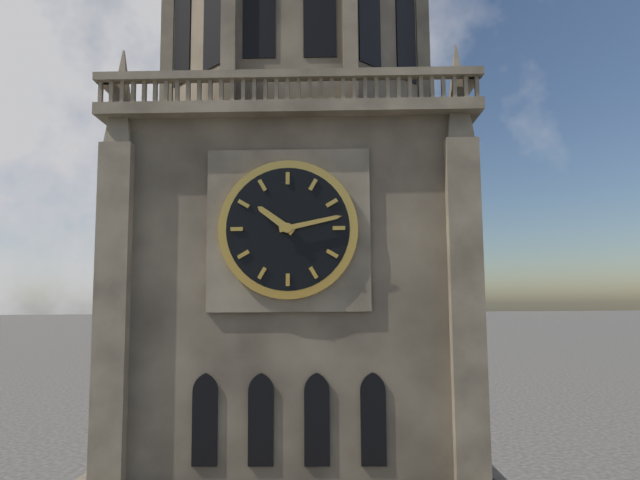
10:13
